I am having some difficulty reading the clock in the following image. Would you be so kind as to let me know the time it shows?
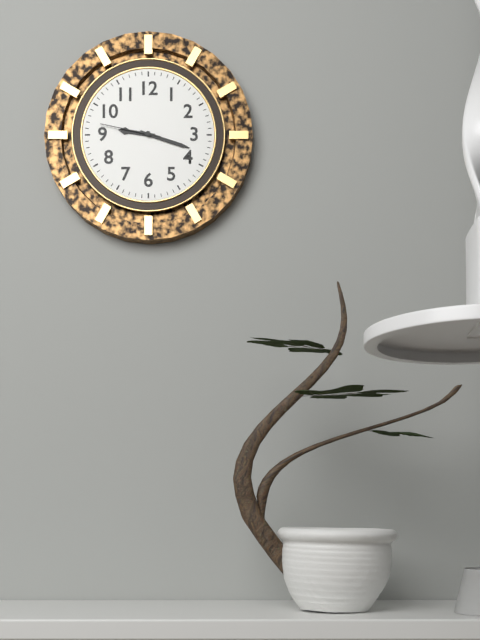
9:18:47
